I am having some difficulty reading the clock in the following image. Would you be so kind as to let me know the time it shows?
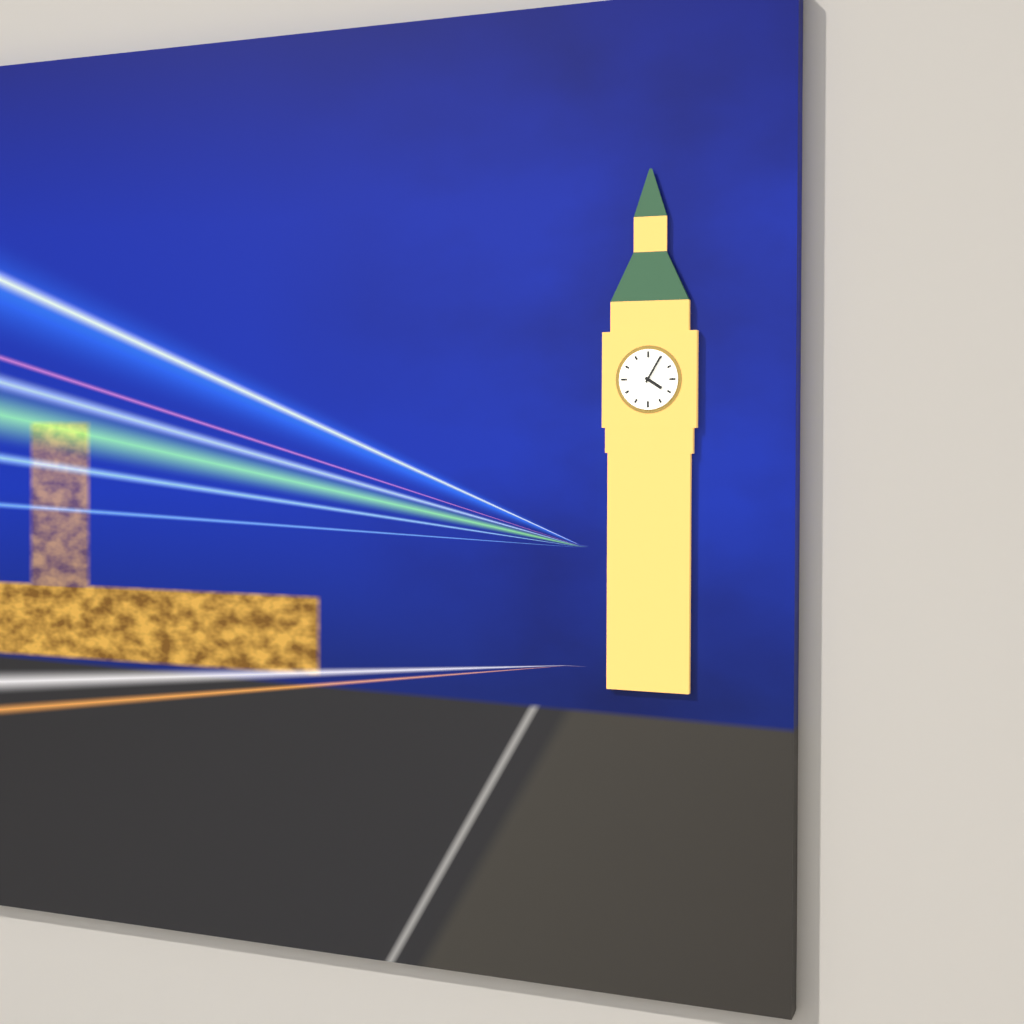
4:05
